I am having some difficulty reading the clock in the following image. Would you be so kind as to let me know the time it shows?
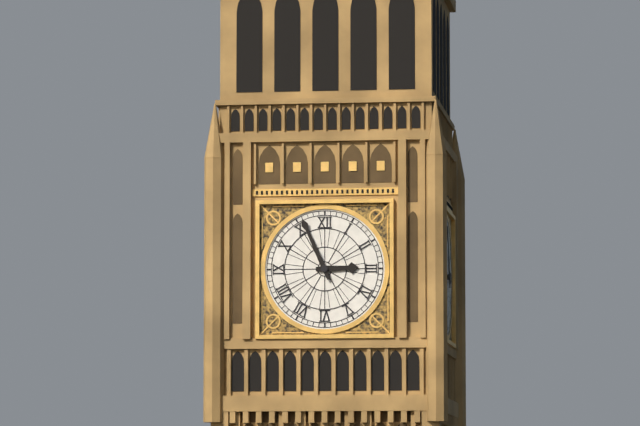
2:56
